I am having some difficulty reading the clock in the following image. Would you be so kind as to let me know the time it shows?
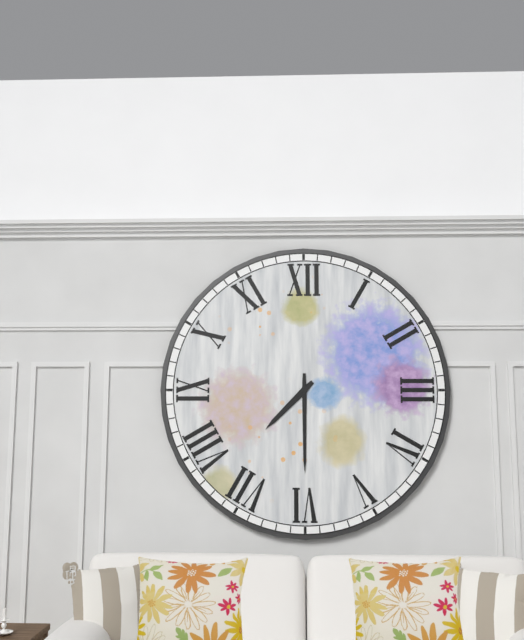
7:30
